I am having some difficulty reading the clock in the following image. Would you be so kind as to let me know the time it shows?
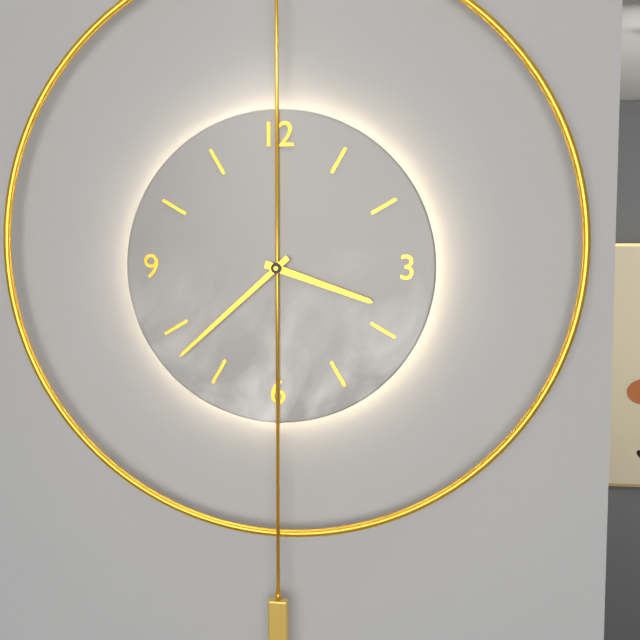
3:38
